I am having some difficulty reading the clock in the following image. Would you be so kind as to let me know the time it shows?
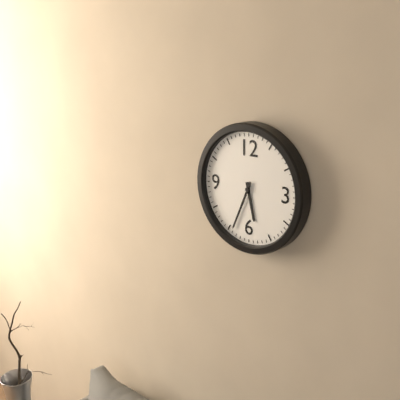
5:34
